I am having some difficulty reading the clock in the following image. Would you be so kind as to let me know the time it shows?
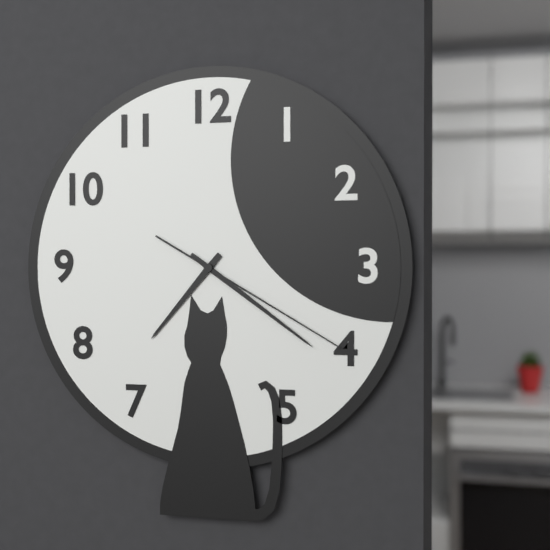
7:21:20
